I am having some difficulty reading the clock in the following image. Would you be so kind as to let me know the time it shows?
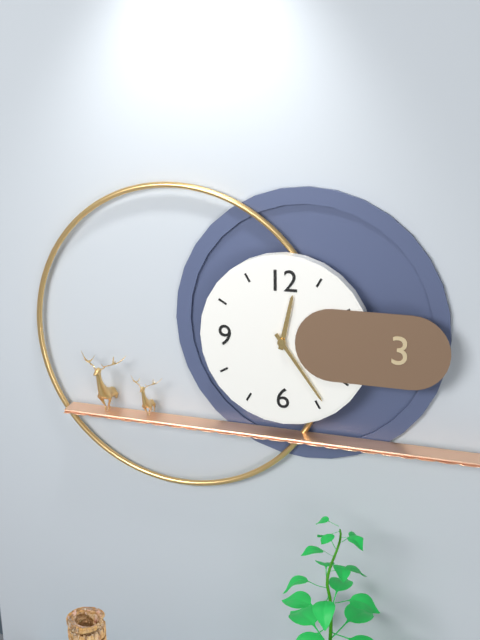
12:24
